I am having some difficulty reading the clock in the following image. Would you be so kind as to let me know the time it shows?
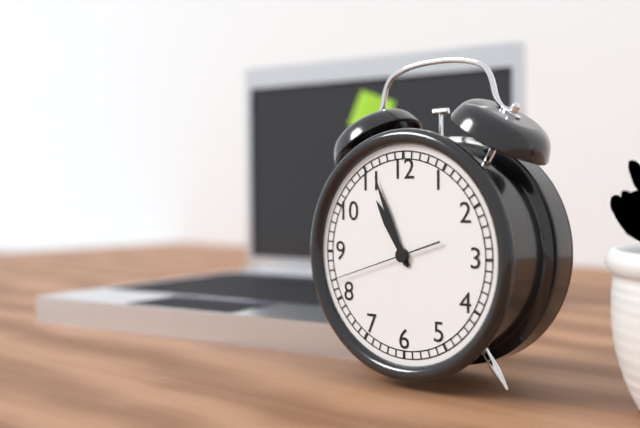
10:56:42
